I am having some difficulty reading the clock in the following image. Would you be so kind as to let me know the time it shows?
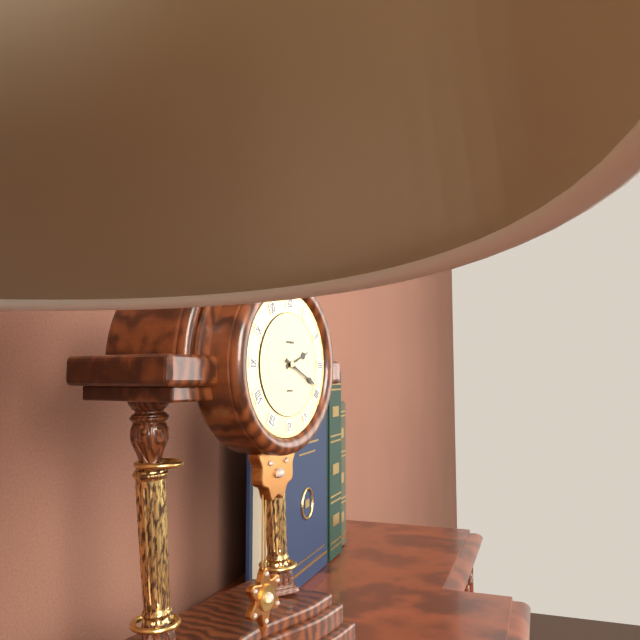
2:19
